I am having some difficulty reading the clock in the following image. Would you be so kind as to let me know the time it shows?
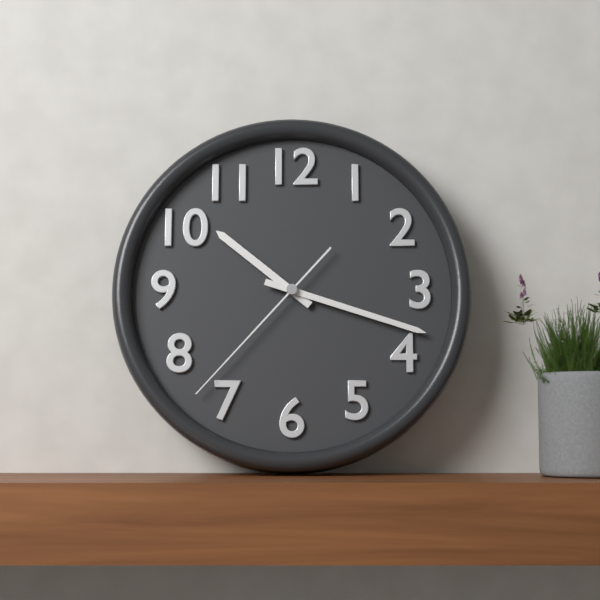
10:18:37
